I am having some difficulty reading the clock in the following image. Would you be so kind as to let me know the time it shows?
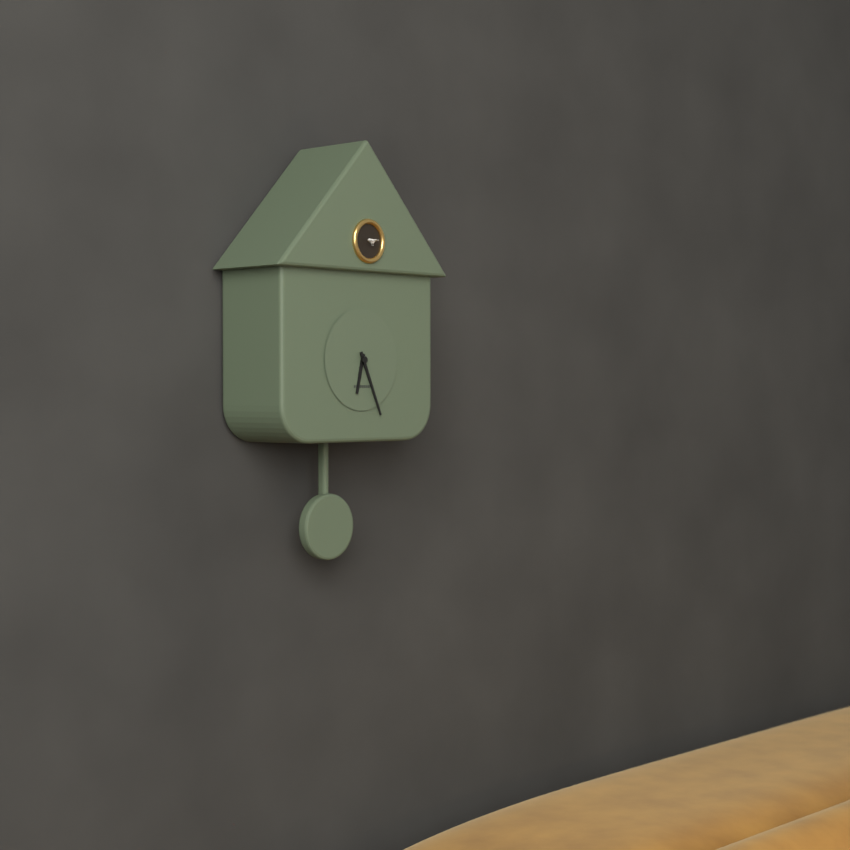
6:26
